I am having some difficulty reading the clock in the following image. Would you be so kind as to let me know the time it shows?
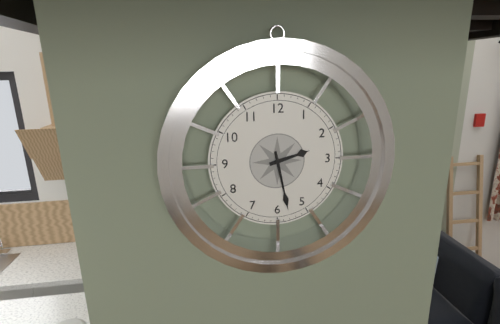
2:28
